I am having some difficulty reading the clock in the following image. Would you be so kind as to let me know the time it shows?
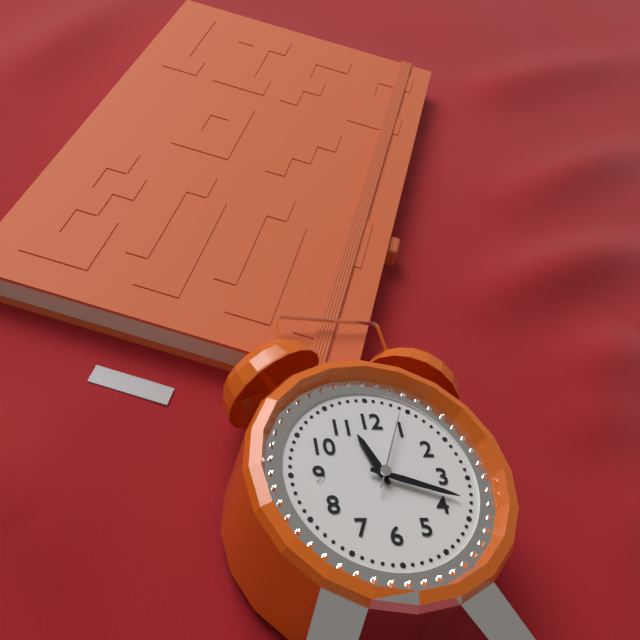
11:18:04
